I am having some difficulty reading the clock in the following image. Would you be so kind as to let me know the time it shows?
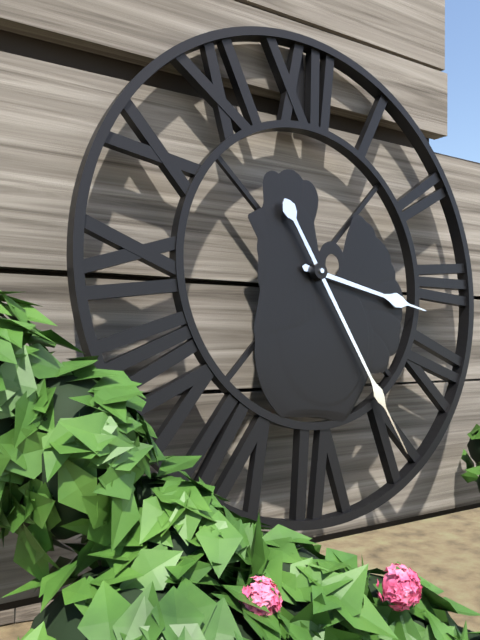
3:25
